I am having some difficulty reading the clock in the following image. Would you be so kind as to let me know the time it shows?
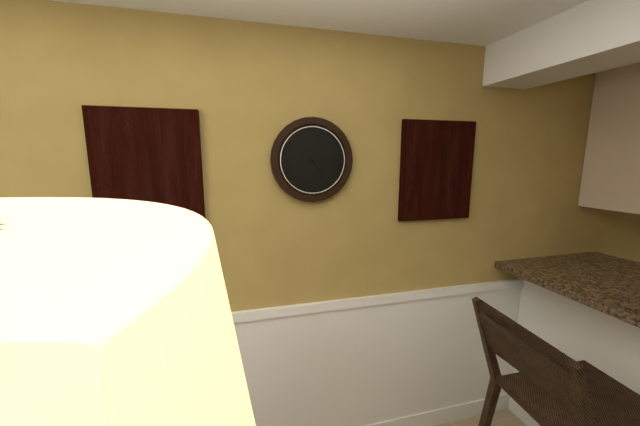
3:24
